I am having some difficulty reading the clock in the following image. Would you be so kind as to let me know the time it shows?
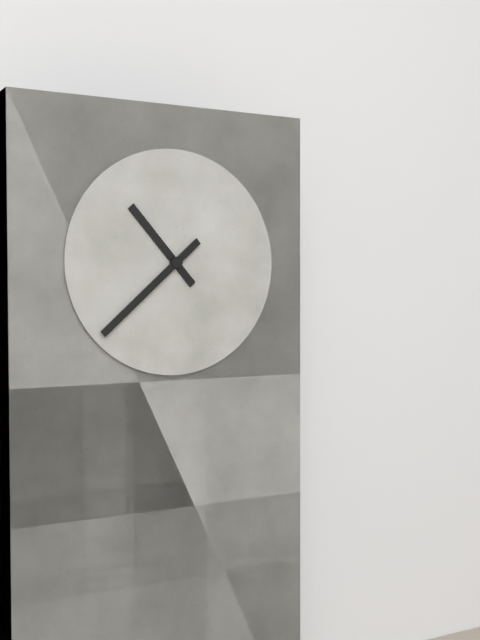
10:38
